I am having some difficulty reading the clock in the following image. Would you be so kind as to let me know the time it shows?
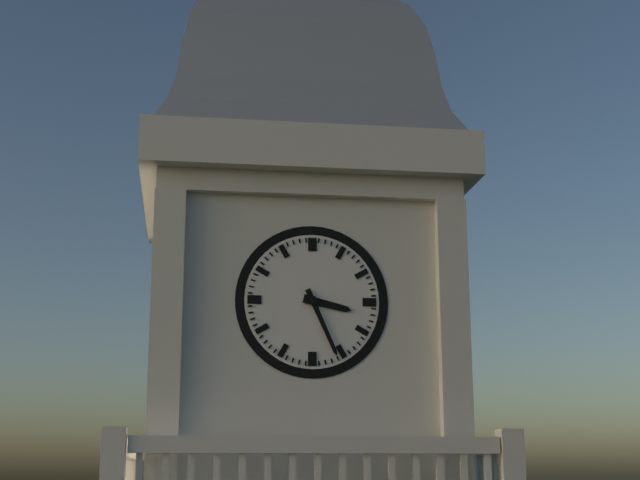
3:26
